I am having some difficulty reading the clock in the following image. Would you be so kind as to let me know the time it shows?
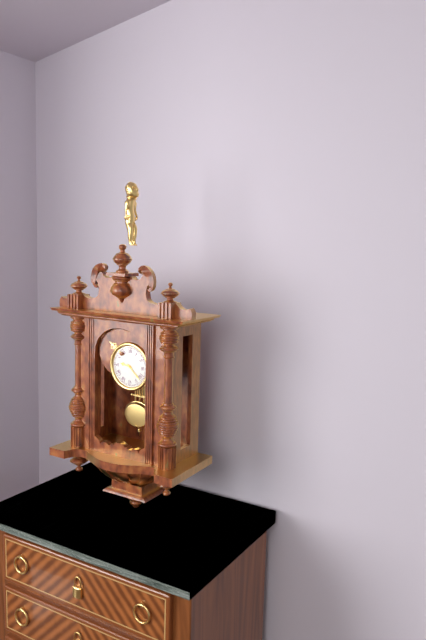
9:22
